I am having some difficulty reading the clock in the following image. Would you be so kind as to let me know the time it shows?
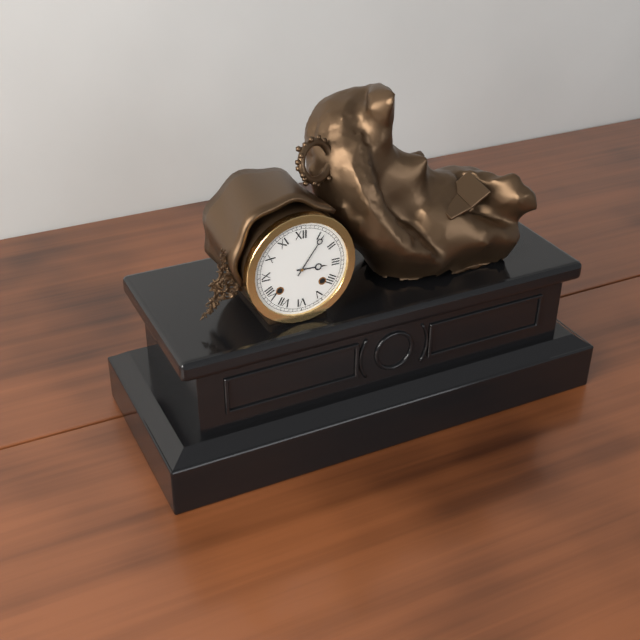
3:06
